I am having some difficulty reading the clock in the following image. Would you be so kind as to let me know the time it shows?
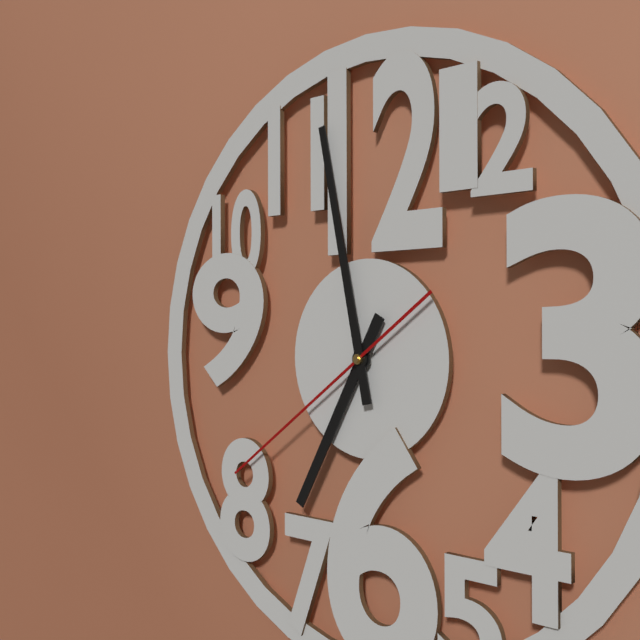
6:58:39
